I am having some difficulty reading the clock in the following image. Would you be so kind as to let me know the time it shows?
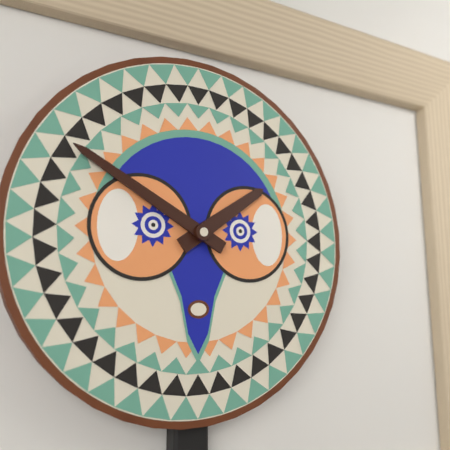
1:50
